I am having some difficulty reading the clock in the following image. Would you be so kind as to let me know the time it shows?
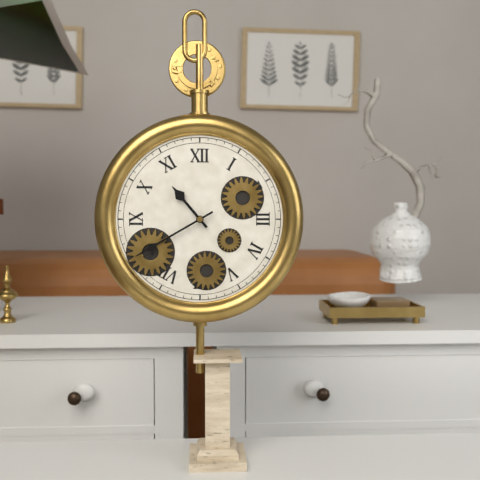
10:40
